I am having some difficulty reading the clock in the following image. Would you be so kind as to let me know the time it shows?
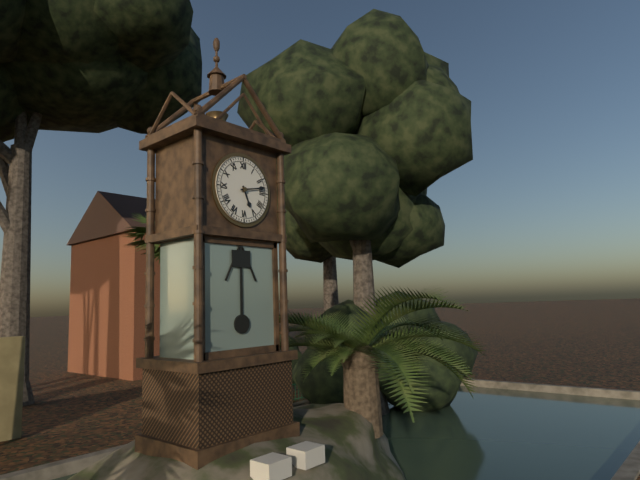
5:13
